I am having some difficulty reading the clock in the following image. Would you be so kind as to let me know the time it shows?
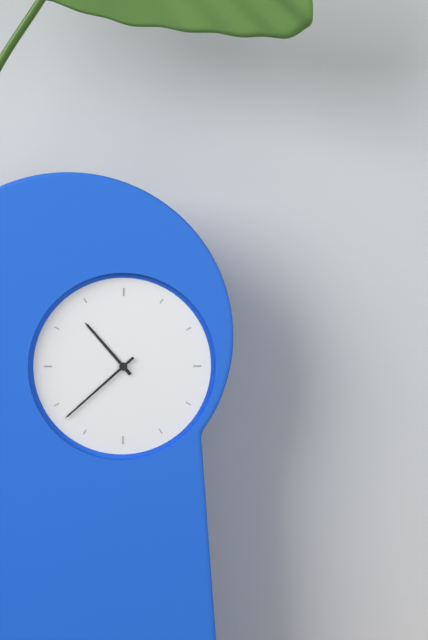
10:38
